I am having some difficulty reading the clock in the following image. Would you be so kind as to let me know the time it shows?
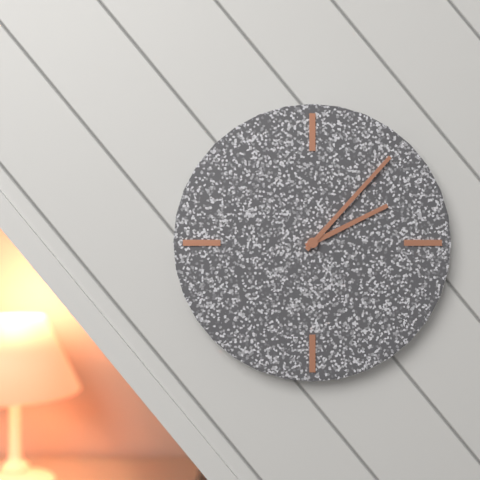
2:07
